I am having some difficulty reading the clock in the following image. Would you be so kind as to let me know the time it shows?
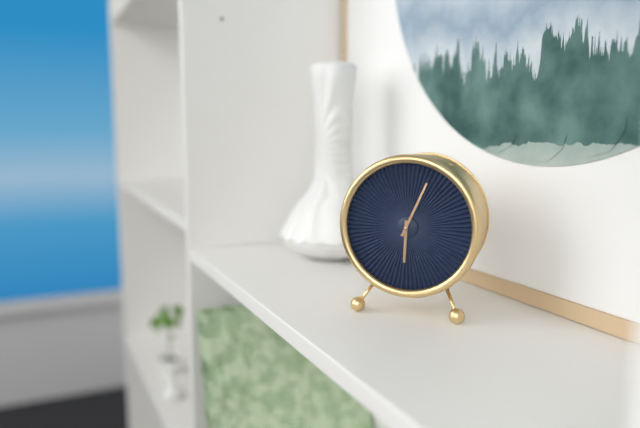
6:04
